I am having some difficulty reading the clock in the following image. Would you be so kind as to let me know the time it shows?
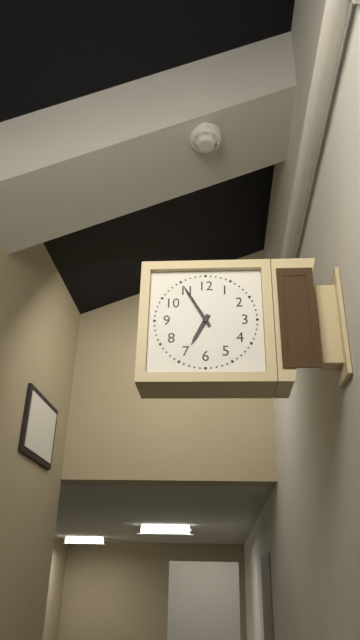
6:55
